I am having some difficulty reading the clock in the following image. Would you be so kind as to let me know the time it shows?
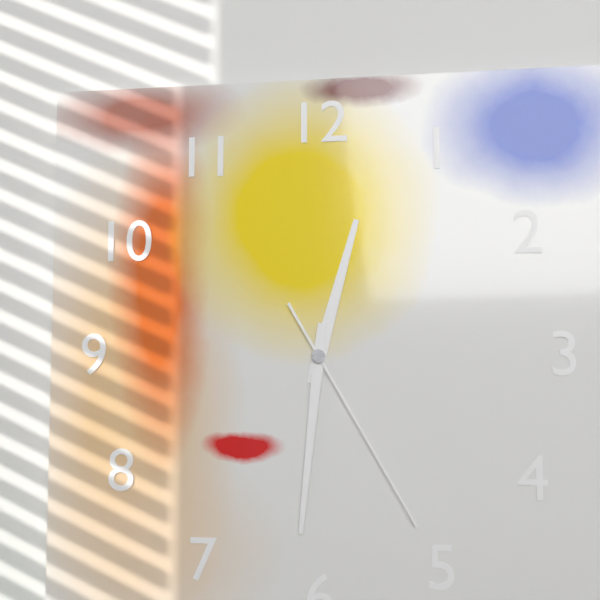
12:31:25
